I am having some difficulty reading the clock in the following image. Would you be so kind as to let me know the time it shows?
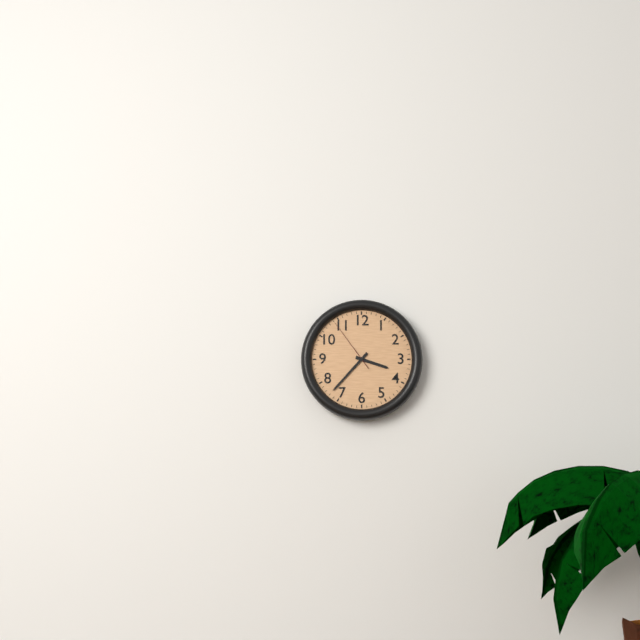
3:37:54
